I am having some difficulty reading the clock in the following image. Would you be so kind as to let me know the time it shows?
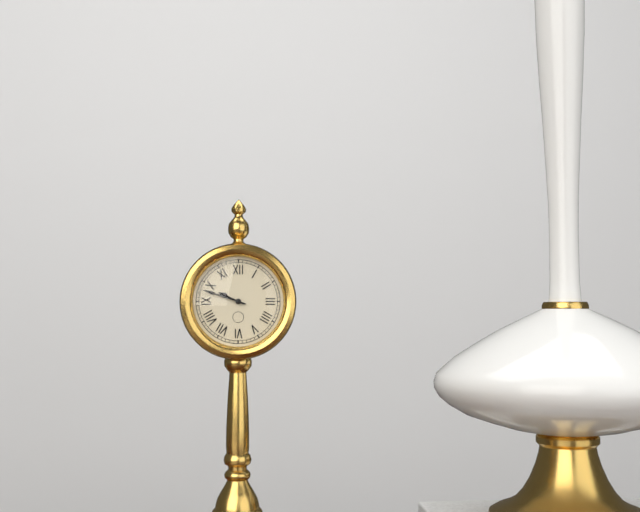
9:48
